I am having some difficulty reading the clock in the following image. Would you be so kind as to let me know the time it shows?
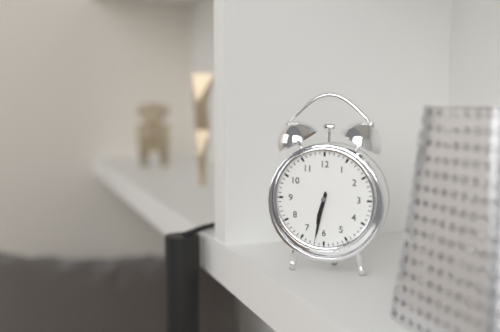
6:32
